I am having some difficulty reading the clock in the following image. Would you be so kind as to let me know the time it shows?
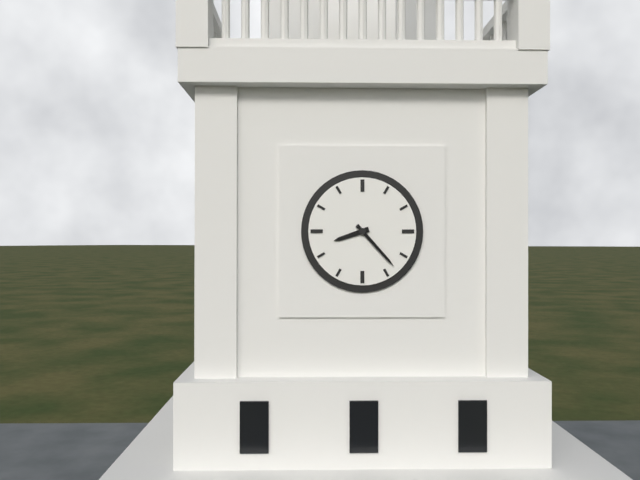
8:23
